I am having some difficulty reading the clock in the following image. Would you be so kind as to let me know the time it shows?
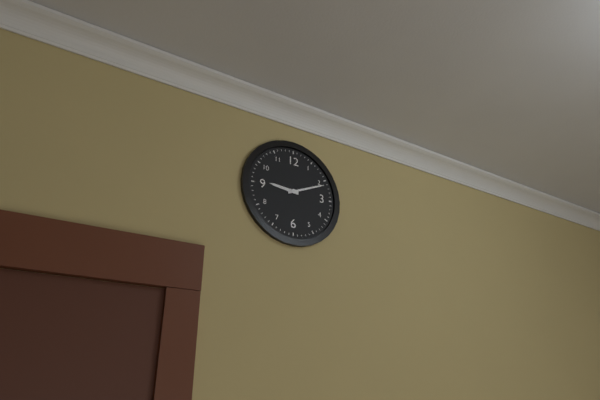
9:11
